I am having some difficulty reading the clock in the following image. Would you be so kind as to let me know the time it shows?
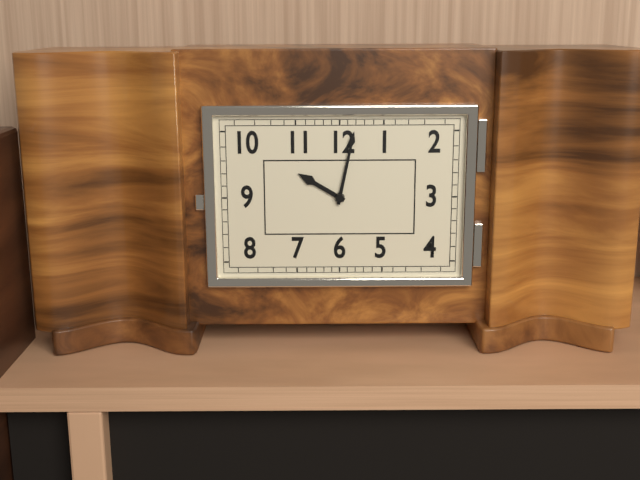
10:02
